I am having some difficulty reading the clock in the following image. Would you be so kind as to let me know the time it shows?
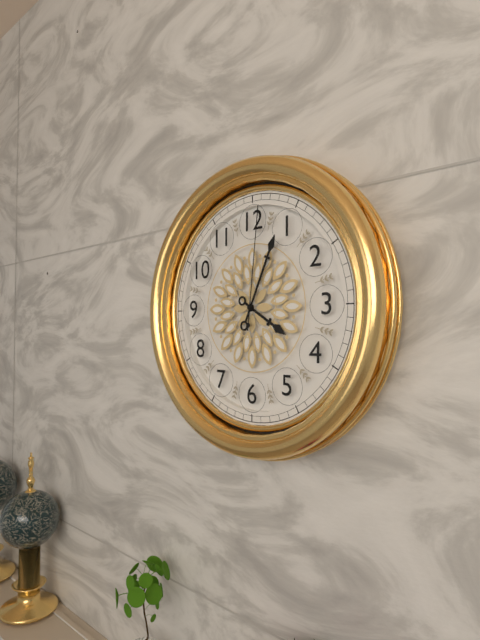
4:04:01
